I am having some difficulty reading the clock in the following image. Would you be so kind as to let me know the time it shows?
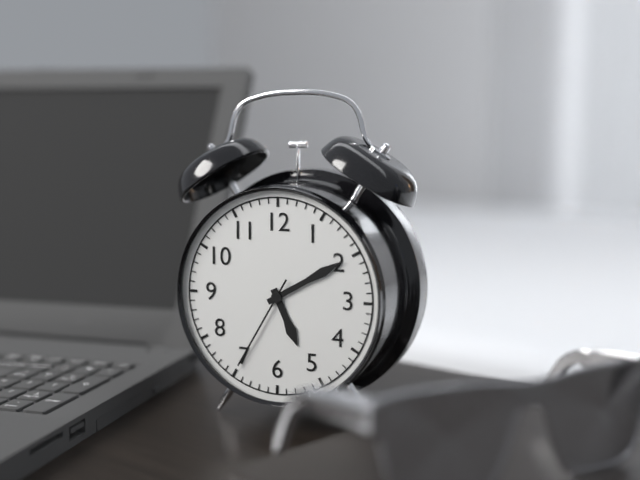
5:10:35
